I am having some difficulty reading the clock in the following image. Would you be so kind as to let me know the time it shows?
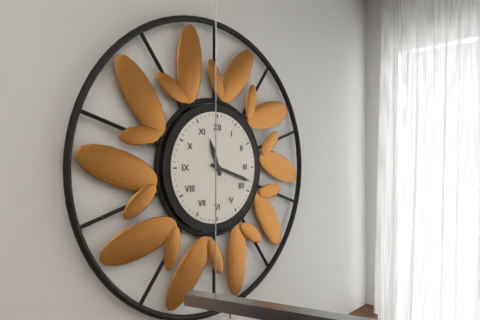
11:18
